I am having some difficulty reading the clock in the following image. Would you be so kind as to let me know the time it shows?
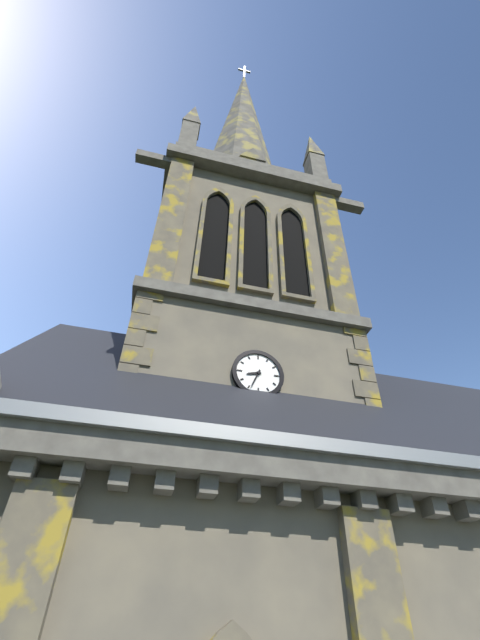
8:34
